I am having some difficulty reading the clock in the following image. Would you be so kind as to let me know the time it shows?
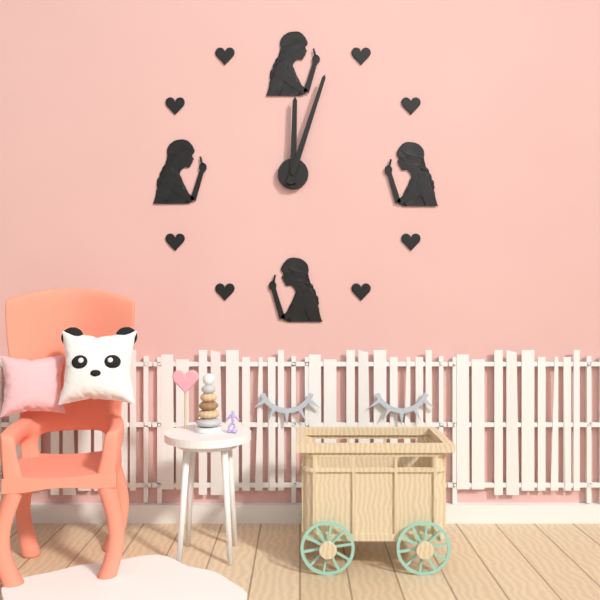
12:03
